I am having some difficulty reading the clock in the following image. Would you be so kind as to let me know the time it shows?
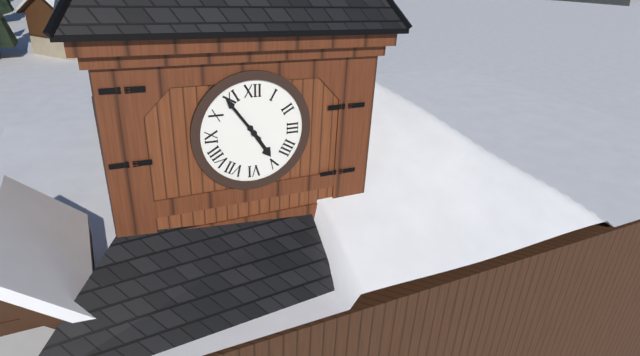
4:54
